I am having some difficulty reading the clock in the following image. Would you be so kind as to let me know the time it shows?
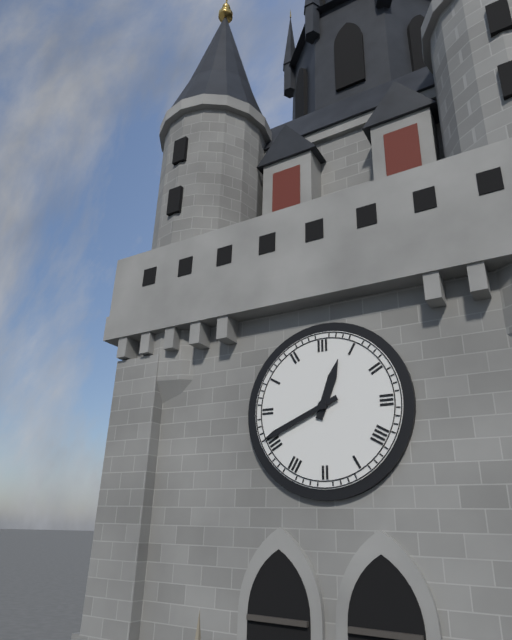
12:41
